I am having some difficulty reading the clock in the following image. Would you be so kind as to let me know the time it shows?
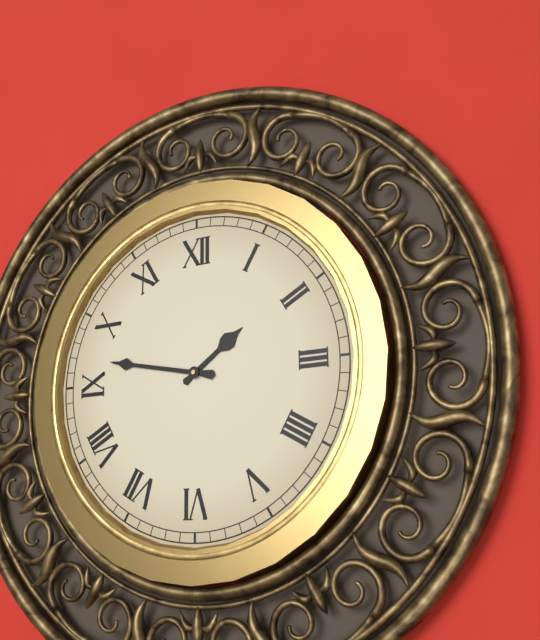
1:47
